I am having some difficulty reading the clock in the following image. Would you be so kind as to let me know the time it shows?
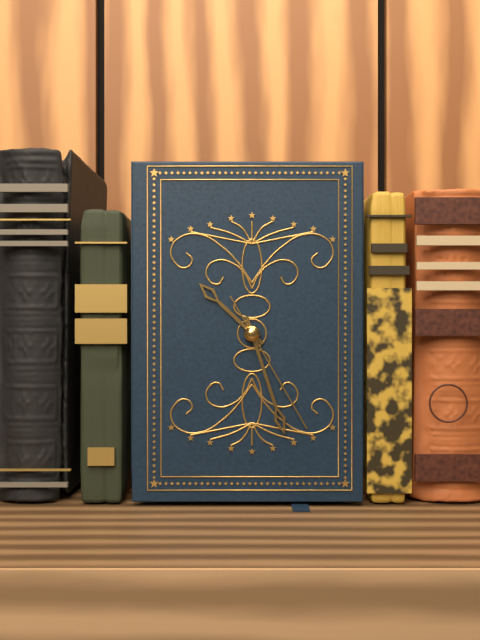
10:27:25
